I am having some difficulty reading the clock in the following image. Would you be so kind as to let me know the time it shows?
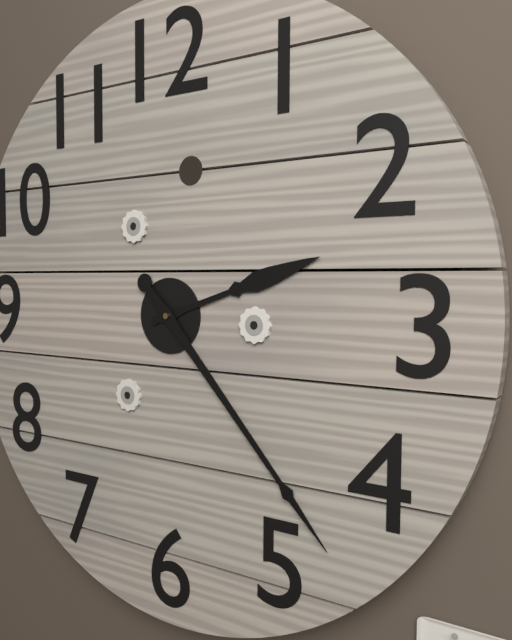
2:23
